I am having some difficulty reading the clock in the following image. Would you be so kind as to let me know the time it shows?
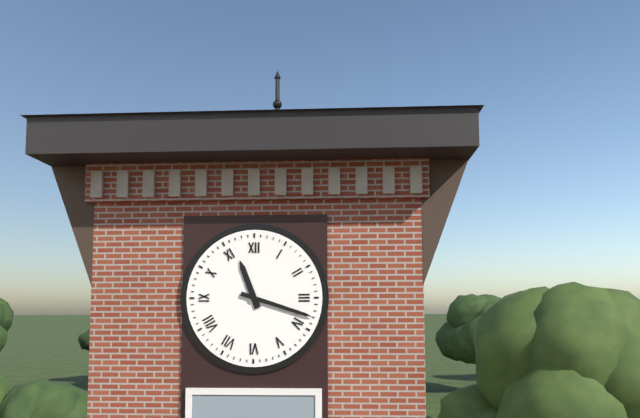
11:18
